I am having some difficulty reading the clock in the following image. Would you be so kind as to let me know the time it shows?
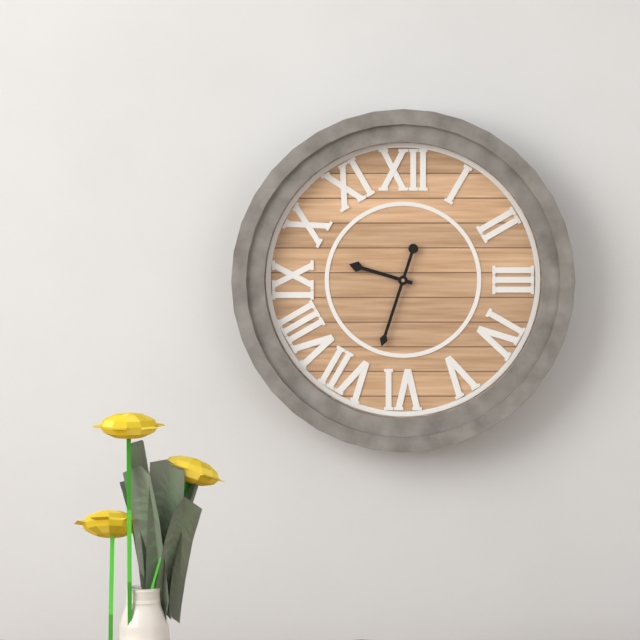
9:33
